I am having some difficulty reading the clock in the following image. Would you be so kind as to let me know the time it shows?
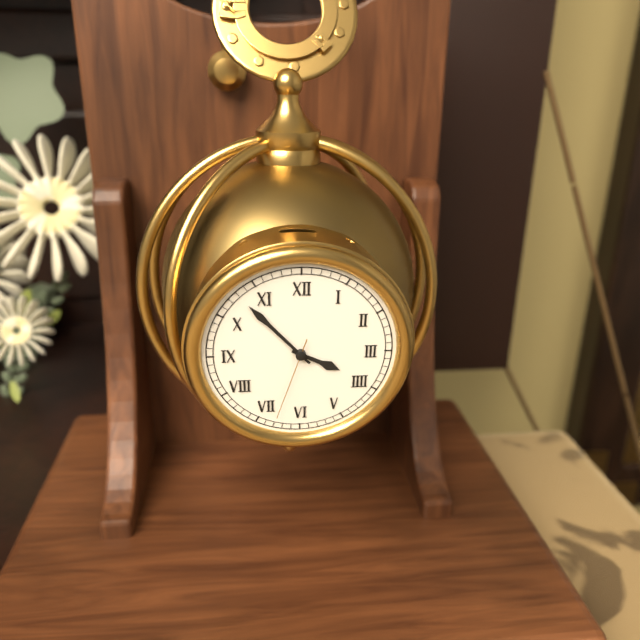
3:53:33
